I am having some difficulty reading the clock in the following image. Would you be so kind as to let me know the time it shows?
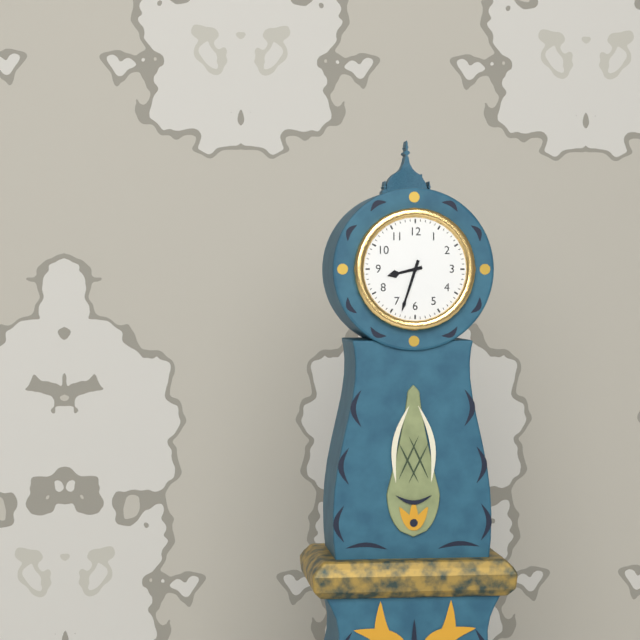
8:33
